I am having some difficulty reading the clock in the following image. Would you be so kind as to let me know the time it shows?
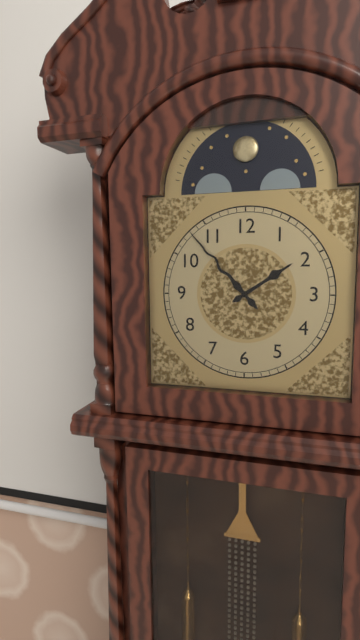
1:53
